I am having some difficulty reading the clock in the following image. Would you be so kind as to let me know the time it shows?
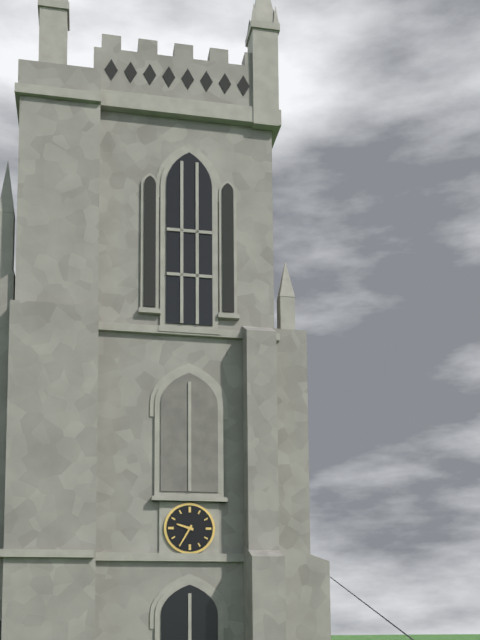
9:35
